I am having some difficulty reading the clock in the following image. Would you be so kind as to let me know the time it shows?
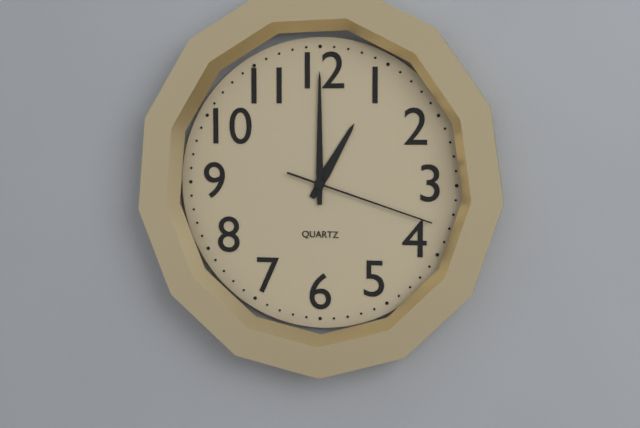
1:00:18
